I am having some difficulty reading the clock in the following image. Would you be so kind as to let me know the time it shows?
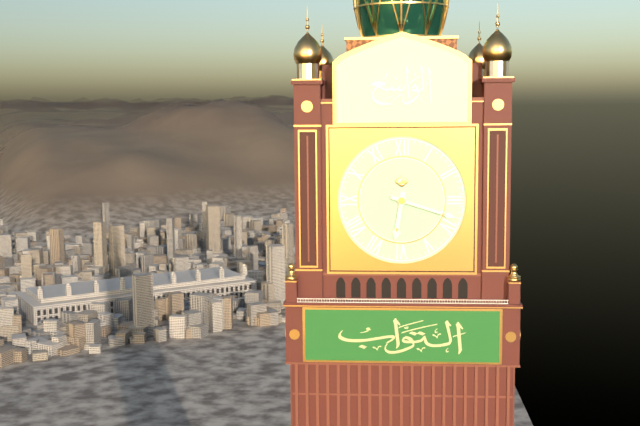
6:18
